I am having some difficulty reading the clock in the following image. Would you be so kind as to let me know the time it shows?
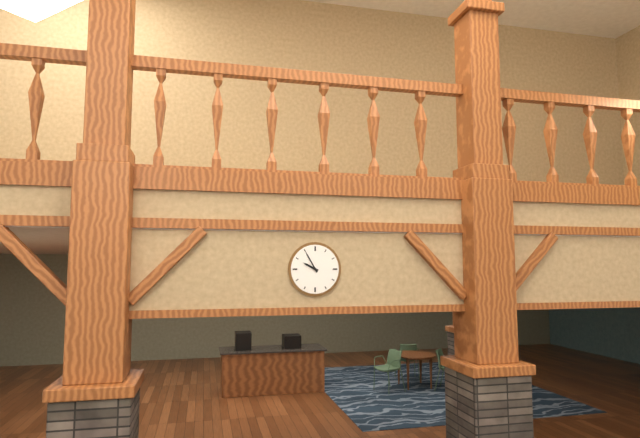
9:55
